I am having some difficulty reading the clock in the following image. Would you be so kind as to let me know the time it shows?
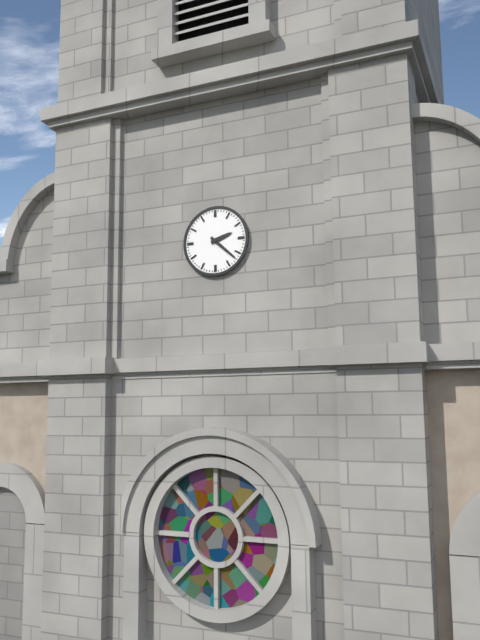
2:22
